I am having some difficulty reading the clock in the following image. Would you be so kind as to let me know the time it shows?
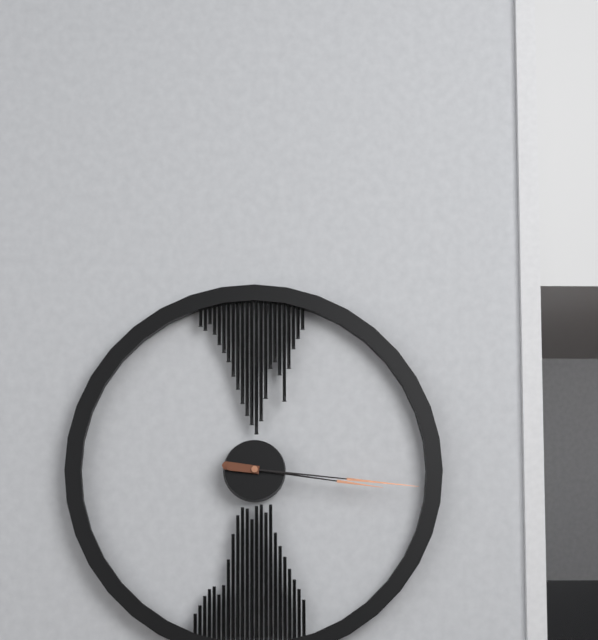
3:16
